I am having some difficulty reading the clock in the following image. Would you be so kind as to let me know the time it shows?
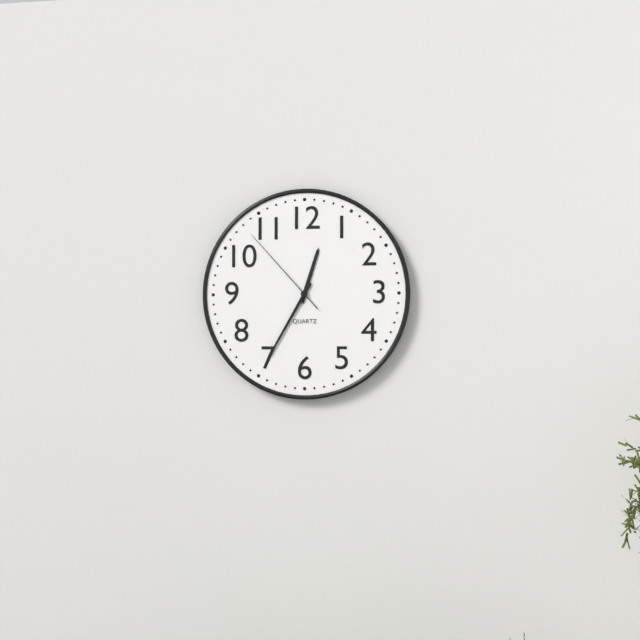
12:35:53
